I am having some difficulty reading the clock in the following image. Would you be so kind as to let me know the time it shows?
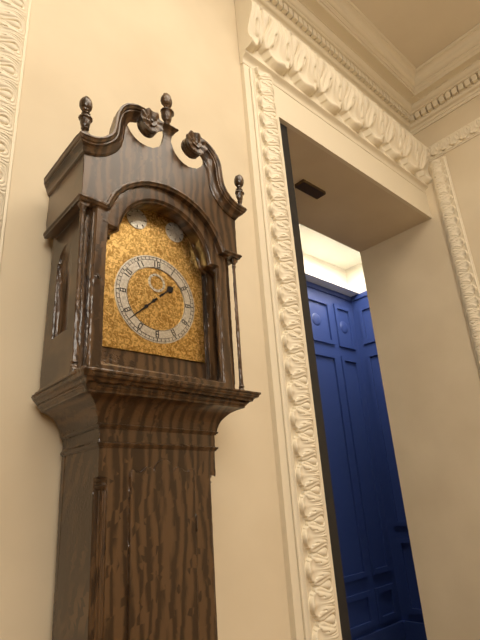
1:38
